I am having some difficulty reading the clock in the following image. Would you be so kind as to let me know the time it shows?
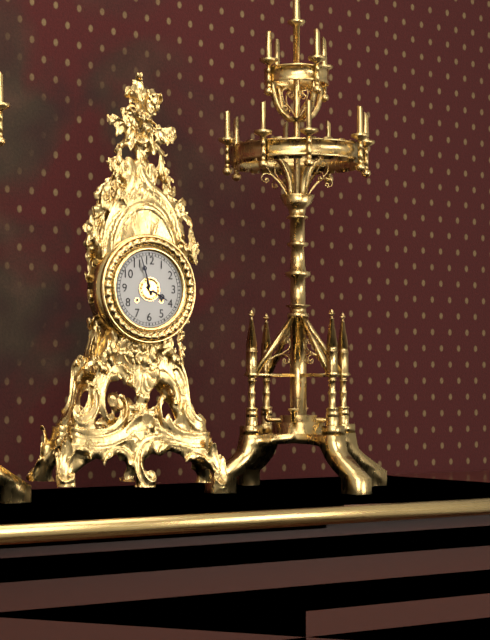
3:57
